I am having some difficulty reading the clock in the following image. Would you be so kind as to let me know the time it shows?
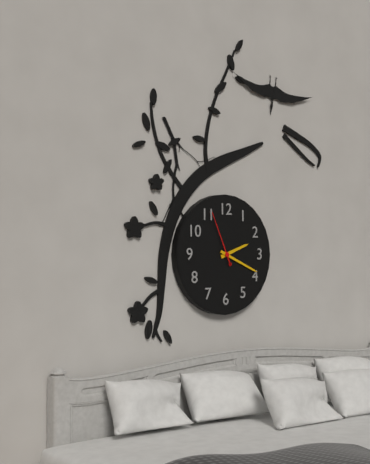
2:19:56
